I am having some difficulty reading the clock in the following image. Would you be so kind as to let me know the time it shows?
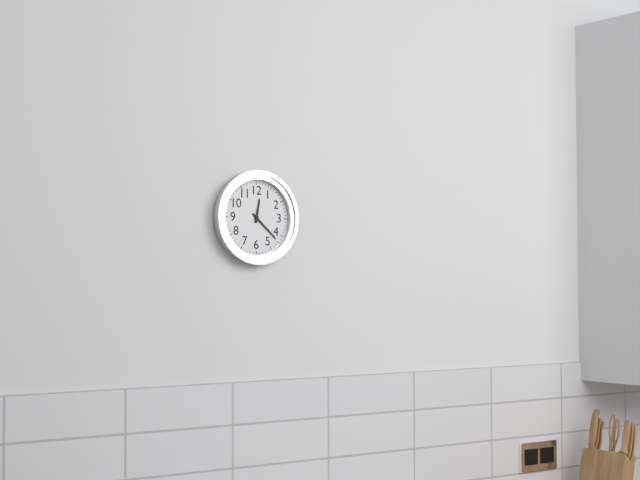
12:22
